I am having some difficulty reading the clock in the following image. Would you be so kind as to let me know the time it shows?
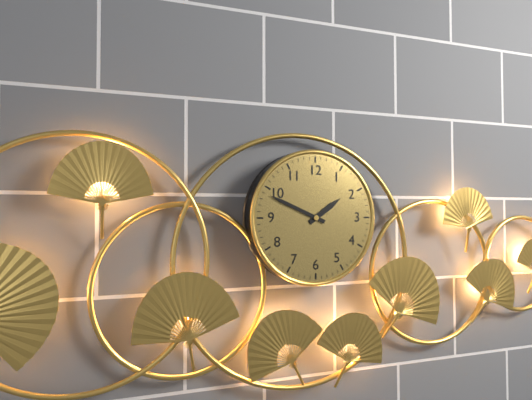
1:49
